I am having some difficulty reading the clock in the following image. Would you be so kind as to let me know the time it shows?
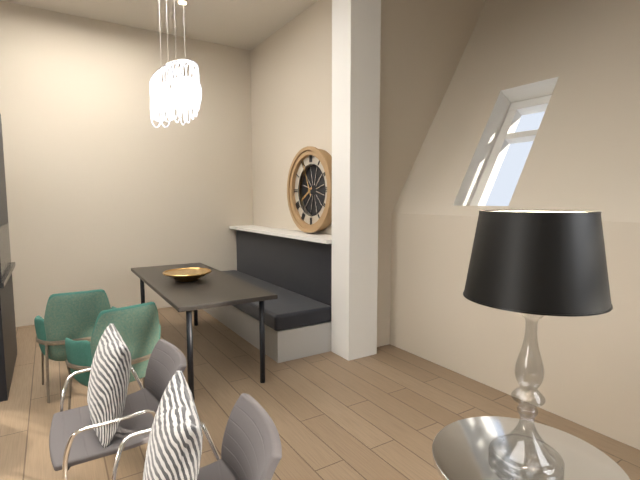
7:56
